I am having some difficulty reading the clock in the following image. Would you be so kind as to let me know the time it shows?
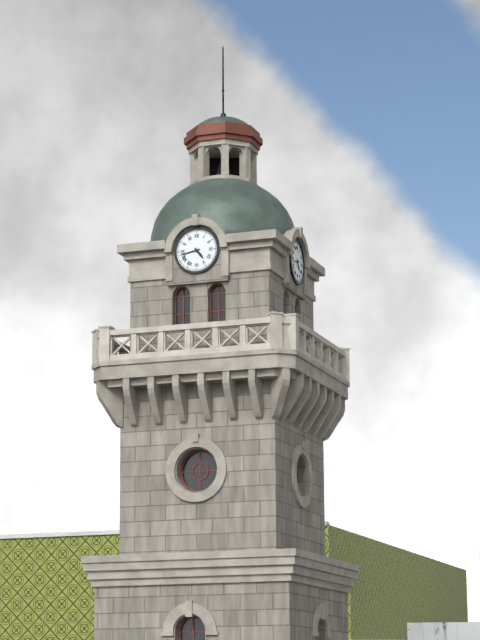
4:43
